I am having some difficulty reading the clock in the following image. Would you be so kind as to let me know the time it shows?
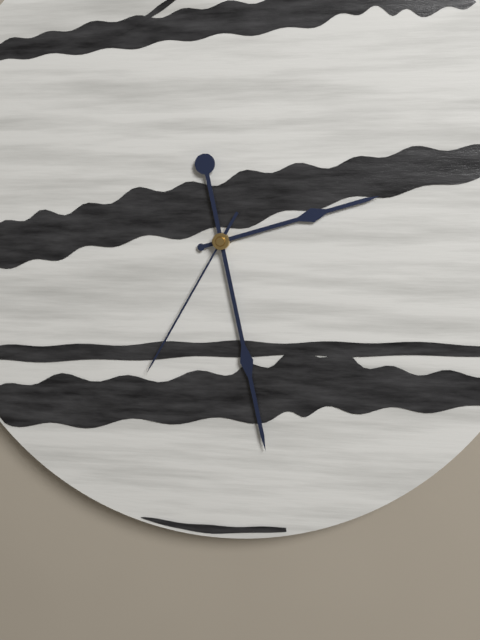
2:28:35
